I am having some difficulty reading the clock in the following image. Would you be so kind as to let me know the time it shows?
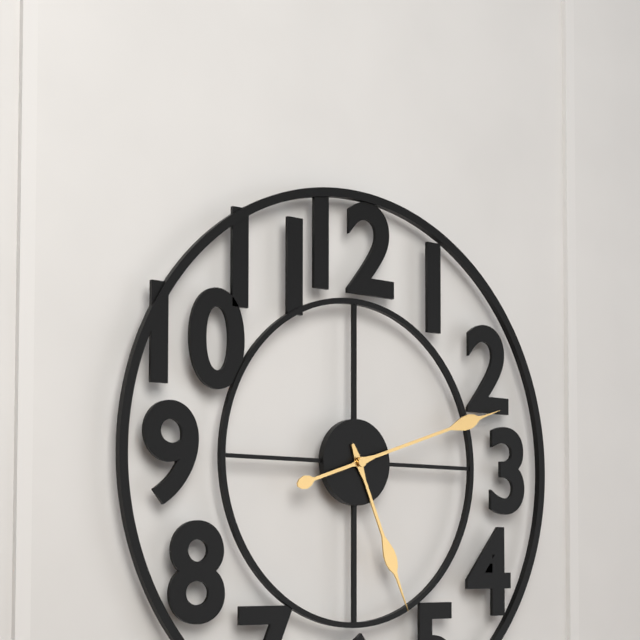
5:12
